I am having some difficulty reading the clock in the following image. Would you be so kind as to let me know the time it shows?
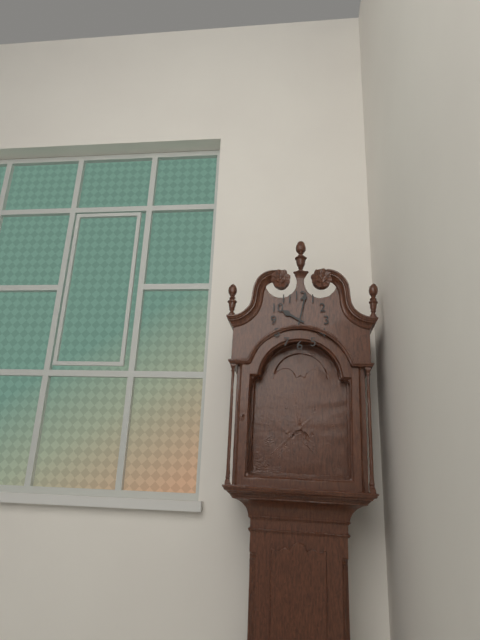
10:02
